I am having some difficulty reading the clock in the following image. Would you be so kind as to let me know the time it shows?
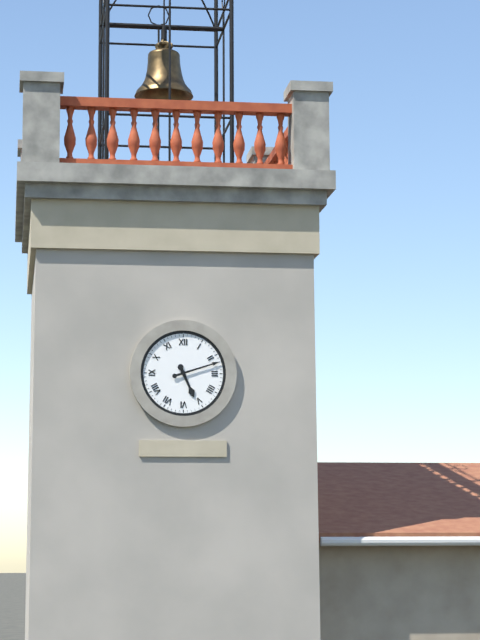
5:12
